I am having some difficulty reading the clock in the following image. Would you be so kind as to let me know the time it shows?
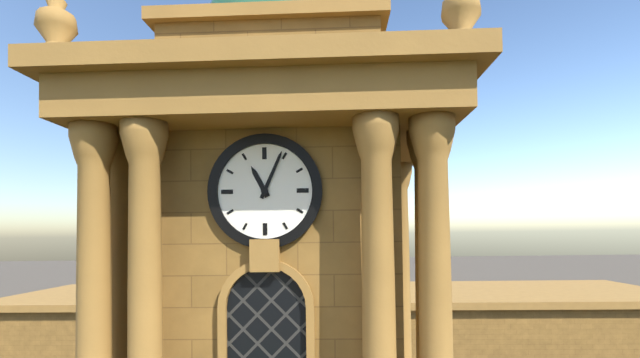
11:04
